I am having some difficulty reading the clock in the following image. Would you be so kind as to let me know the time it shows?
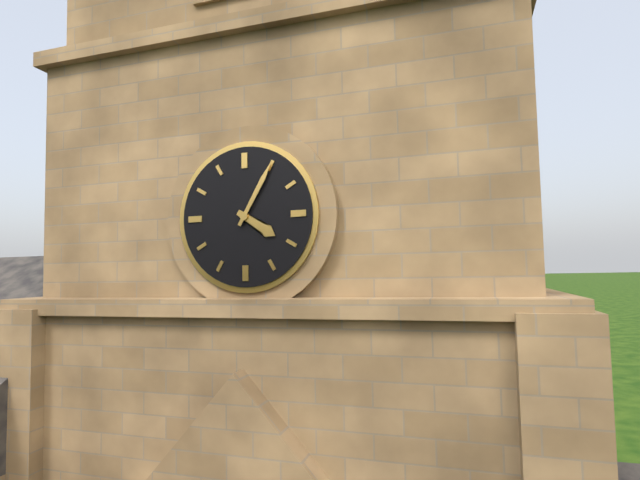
4:05
